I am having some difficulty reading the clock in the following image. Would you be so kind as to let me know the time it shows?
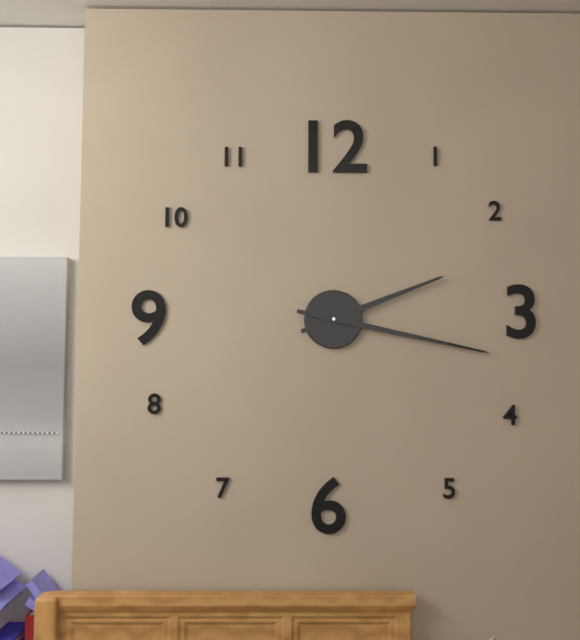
2:17
